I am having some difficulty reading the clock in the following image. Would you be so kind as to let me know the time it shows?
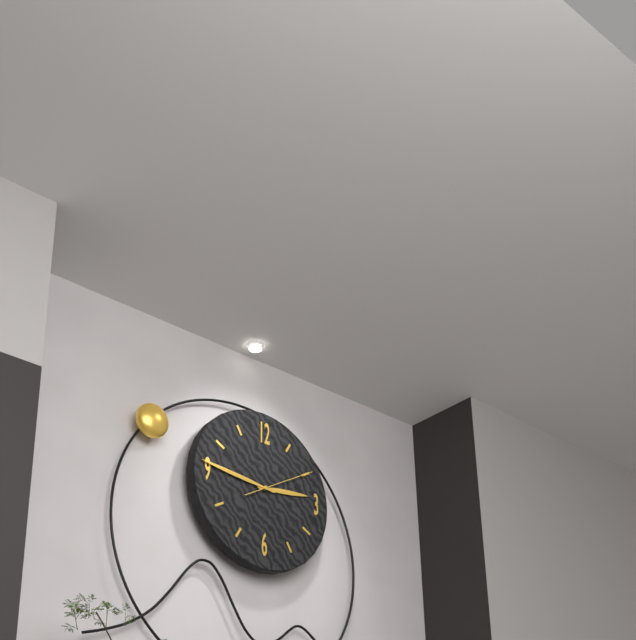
2:46:10
